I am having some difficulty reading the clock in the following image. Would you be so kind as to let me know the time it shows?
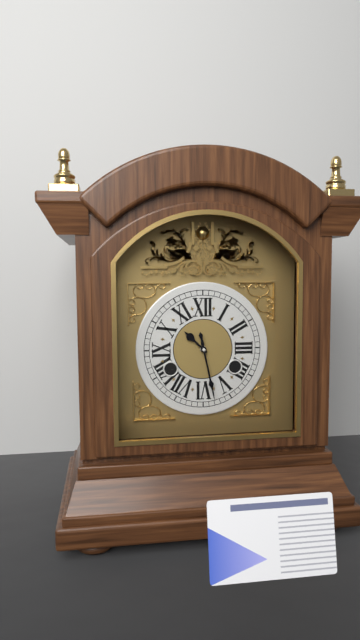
10:28
